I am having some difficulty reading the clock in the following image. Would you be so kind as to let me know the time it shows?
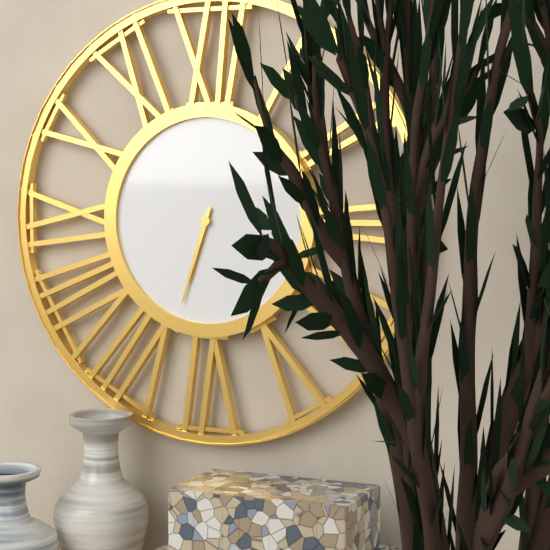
6:33
